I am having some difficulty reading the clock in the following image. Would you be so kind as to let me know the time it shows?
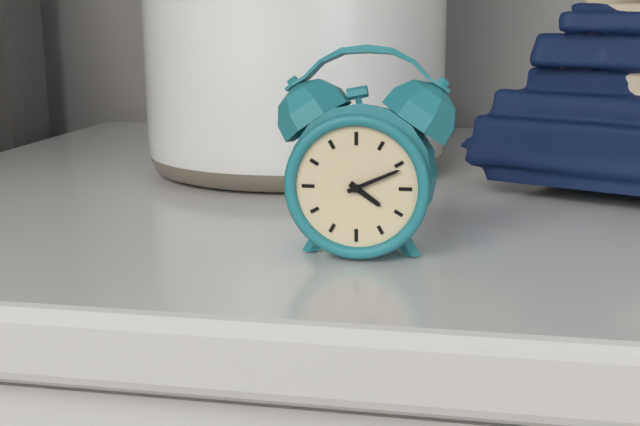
4:11
